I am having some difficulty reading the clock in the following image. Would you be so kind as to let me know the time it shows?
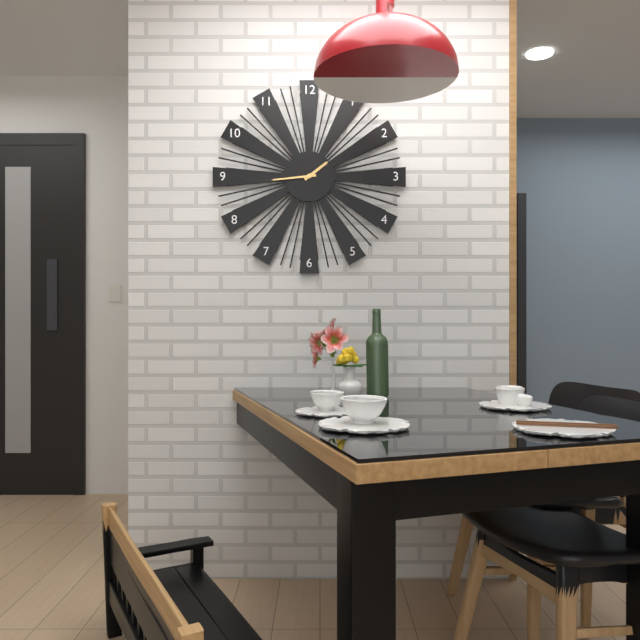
1:44
